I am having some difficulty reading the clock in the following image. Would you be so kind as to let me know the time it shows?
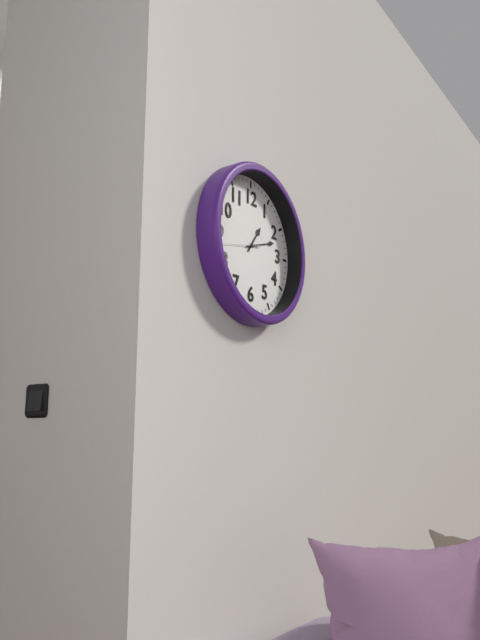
1:12
